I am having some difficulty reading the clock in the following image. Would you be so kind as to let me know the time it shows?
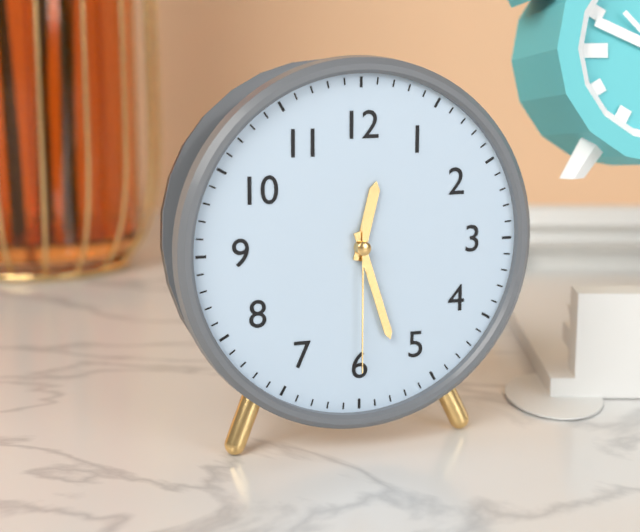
12:27:30
